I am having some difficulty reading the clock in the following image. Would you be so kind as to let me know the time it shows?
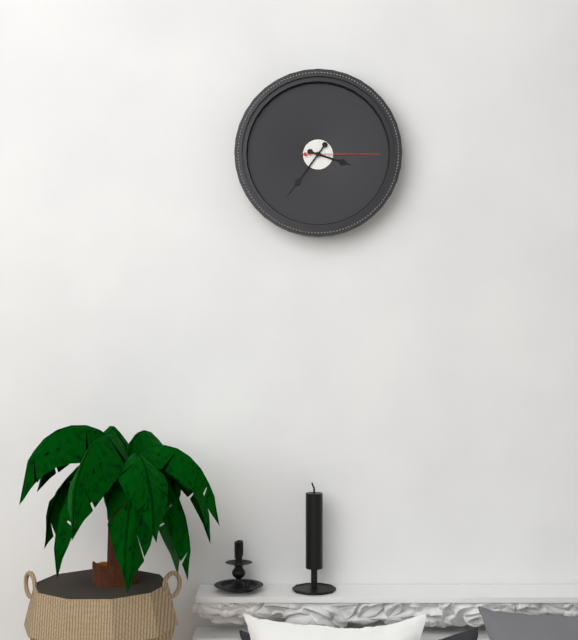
3:36:15
